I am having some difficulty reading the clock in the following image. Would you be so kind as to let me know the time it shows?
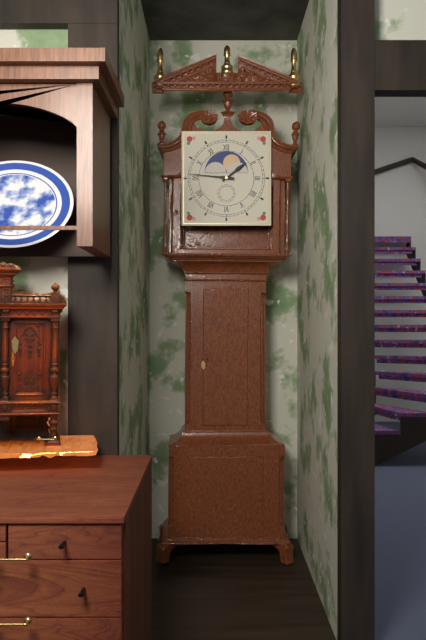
1:46
